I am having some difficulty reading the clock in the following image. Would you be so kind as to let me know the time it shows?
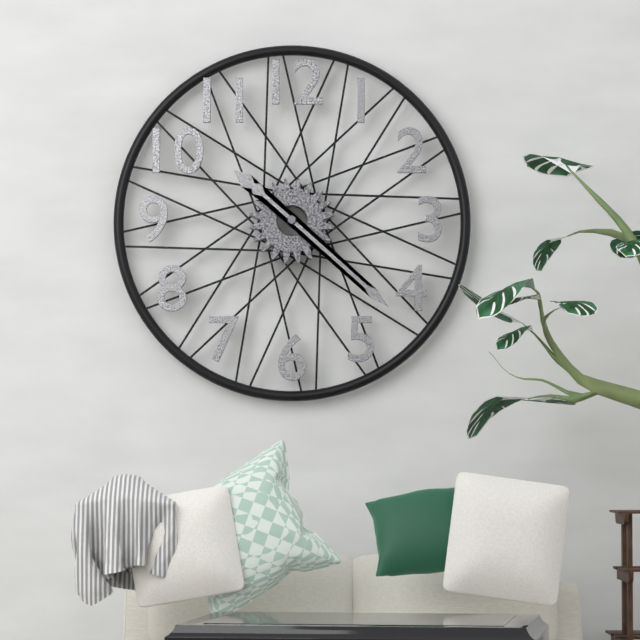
10:22
